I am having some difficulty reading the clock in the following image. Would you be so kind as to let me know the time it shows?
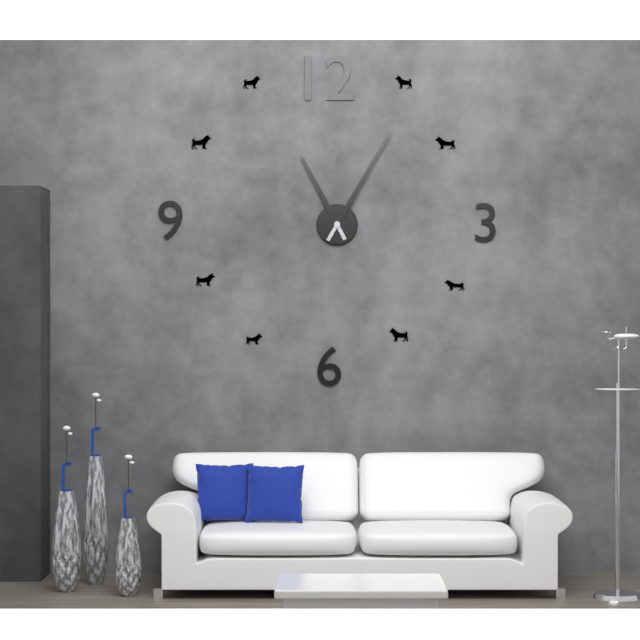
11:05
